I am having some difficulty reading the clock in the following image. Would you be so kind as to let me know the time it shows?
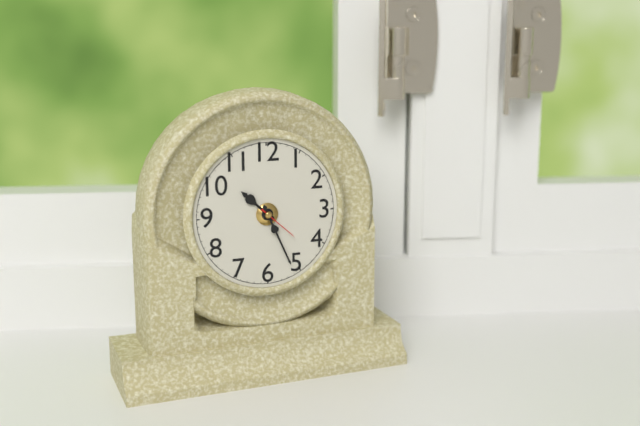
10:26
